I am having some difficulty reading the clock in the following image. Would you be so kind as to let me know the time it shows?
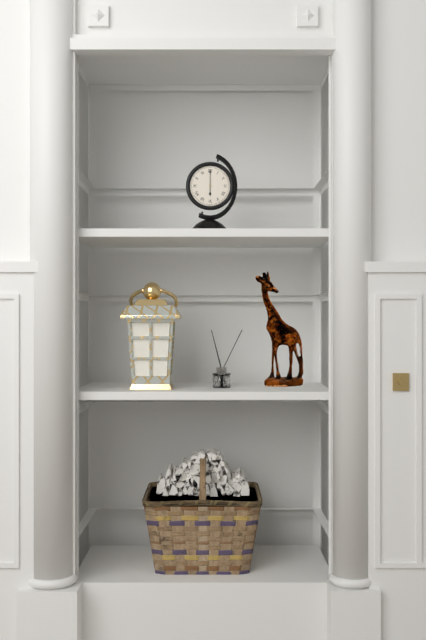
6:00
